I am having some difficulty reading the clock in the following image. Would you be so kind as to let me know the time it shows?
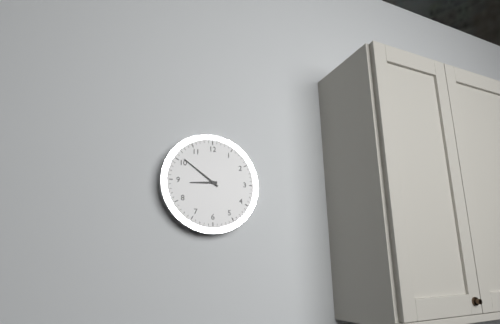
8:51
